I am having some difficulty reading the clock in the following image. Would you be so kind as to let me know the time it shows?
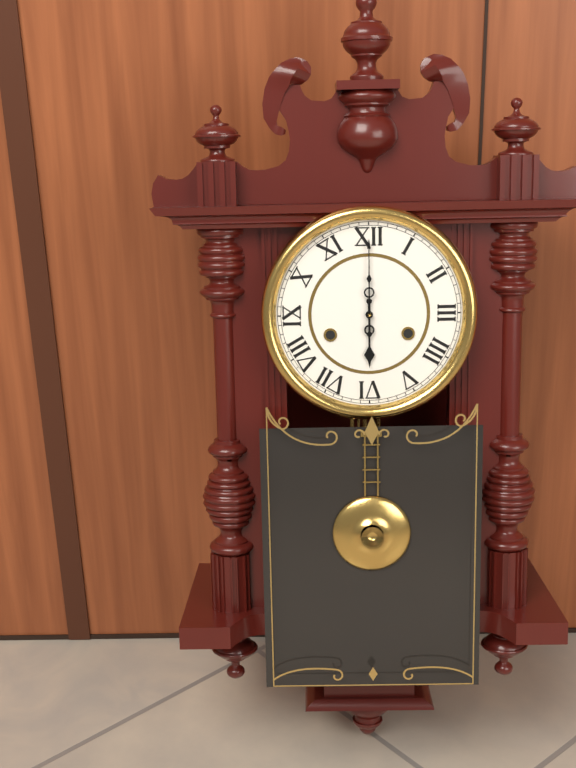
6:00
